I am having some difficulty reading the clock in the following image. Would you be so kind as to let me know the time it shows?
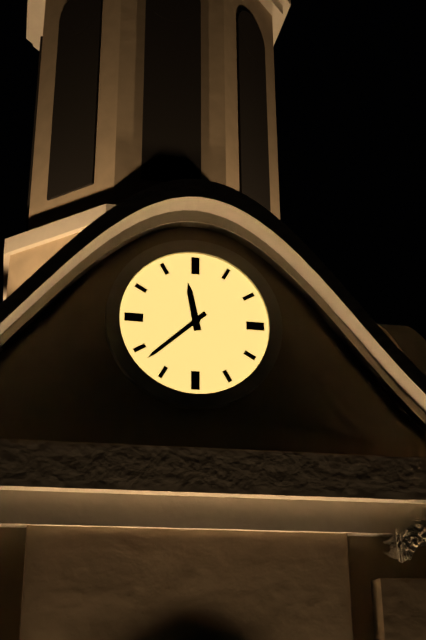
11:38
